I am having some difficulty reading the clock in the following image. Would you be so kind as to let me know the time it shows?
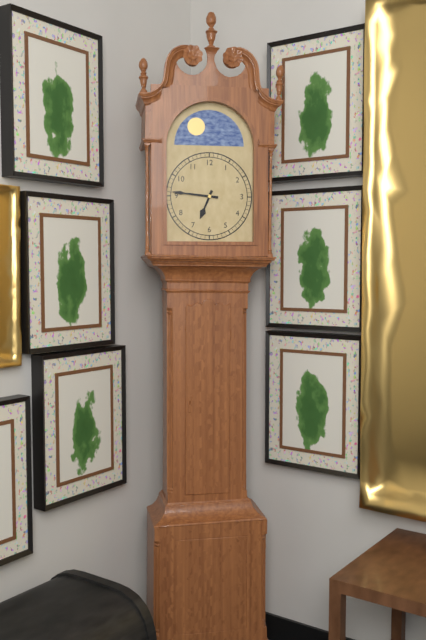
6:46
